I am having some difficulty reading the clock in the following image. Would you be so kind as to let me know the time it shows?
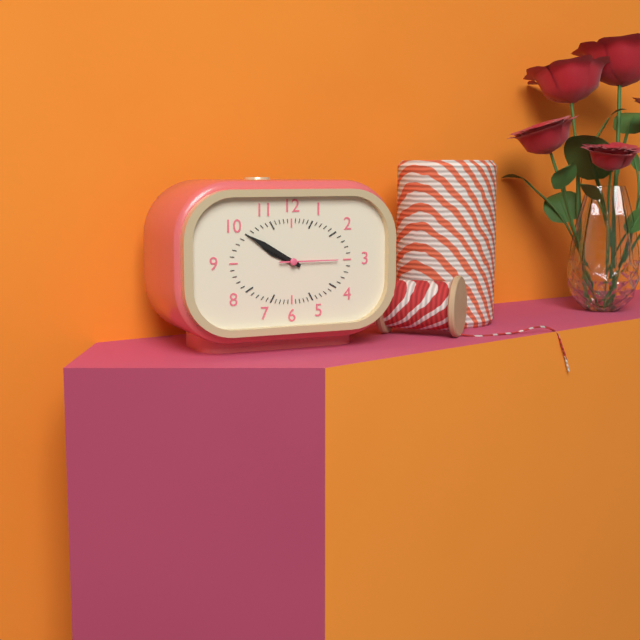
9:50:15
